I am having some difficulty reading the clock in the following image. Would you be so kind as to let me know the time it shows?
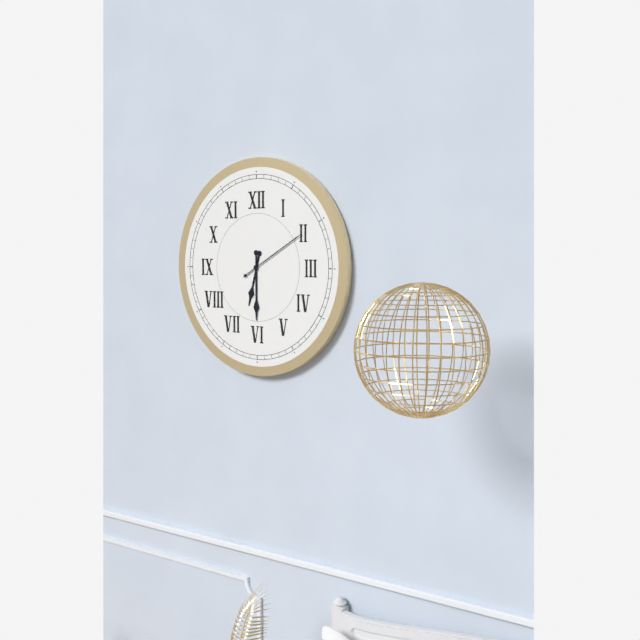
6:30:10
